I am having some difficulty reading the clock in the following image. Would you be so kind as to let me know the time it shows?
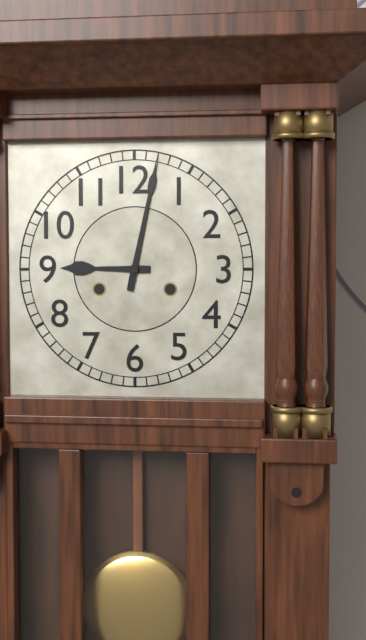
9:02
